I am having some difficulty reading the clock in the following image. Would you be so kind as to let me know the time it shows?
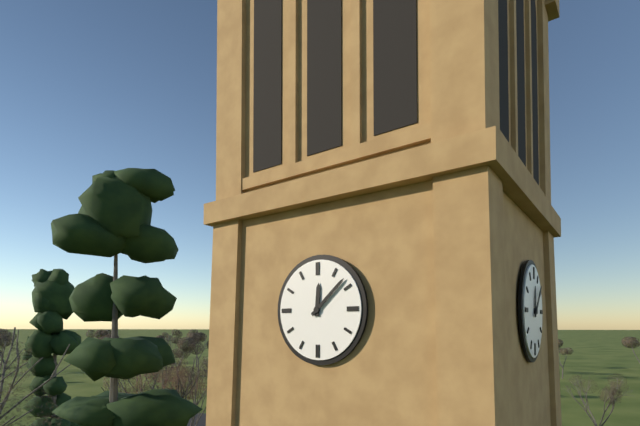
12:08
